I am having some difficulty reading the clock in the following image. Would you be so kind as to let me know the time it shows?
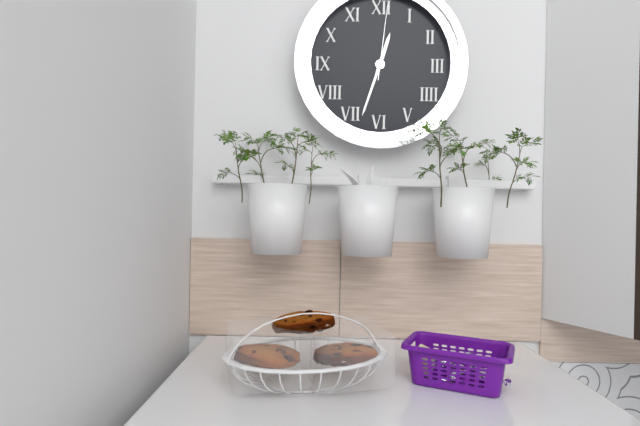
12:33:01
